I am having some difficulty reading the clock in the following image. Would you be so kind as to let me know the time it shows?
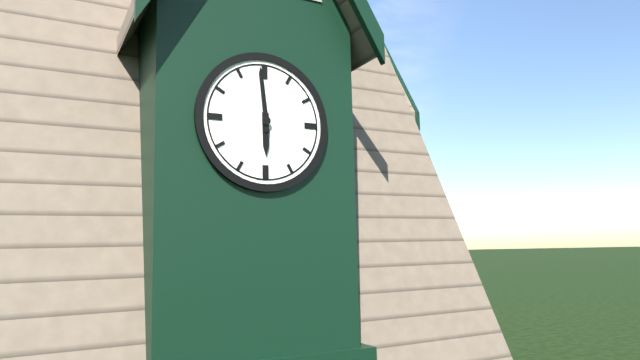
5:59
